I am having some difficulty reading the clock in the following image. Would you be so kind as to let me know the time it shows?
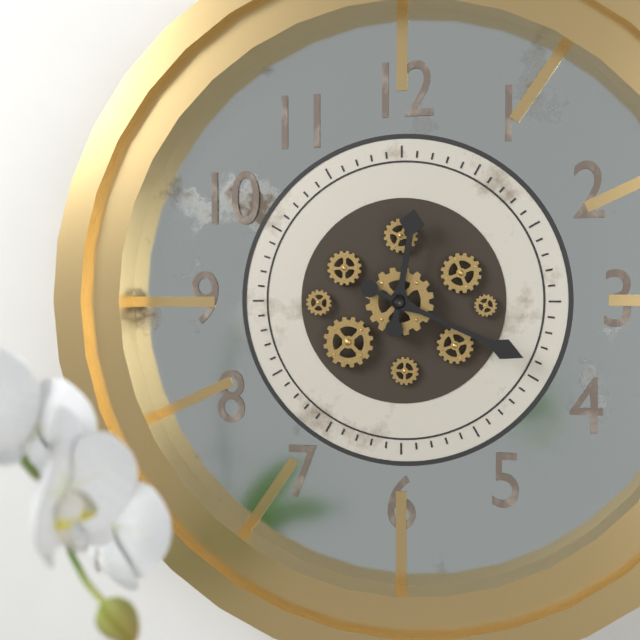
12:19
